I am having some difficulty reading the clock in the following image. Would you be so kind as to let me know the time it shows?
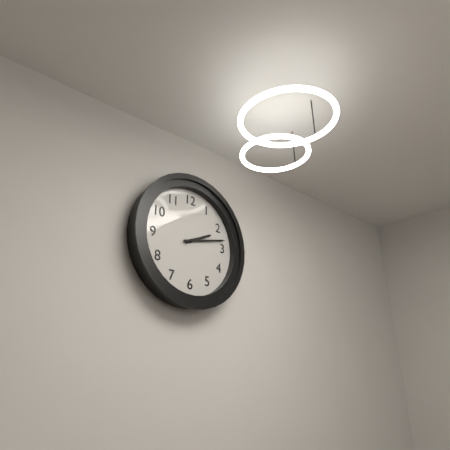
2:13
